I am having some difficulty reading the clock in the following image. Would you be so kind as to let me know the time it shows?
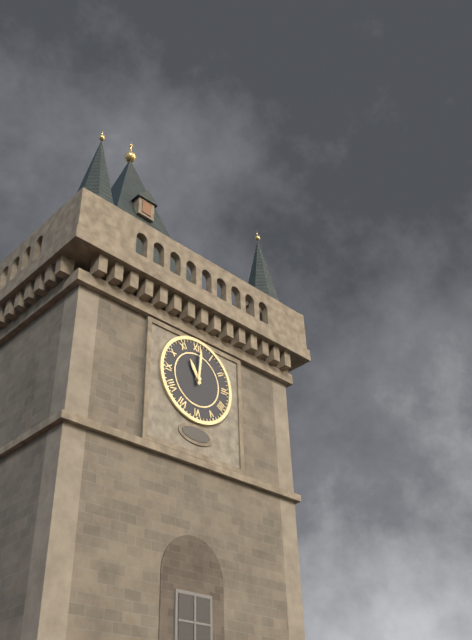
11:01
